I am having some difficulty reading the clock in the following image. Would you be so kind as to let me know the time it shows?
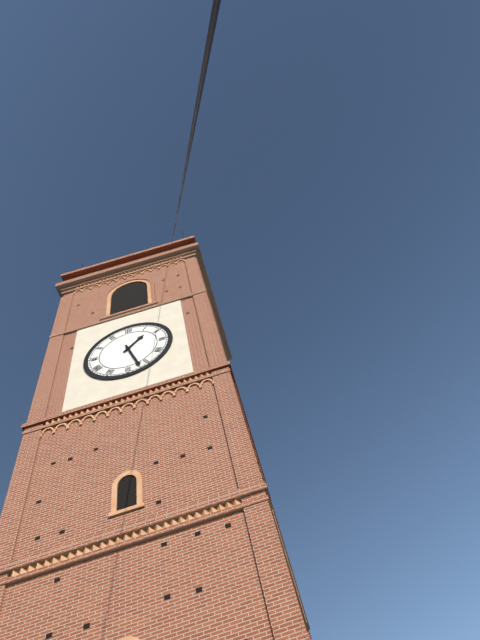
1:27
